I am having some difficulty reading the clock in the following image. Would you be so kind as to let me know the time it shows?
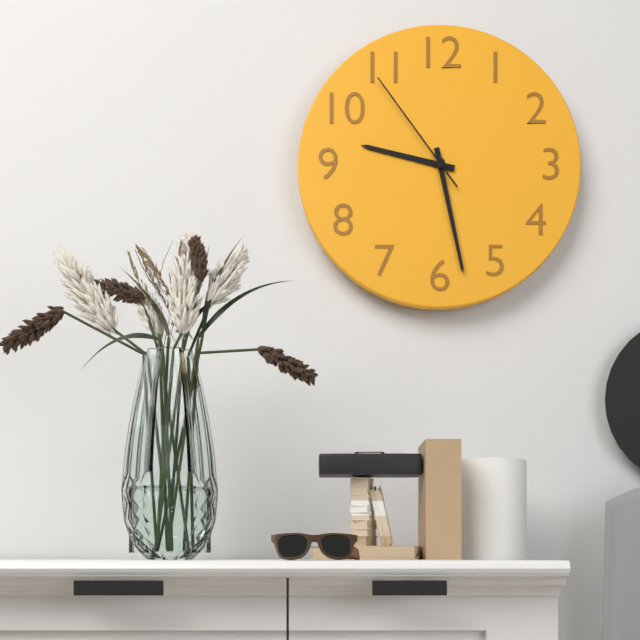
9:28:54
